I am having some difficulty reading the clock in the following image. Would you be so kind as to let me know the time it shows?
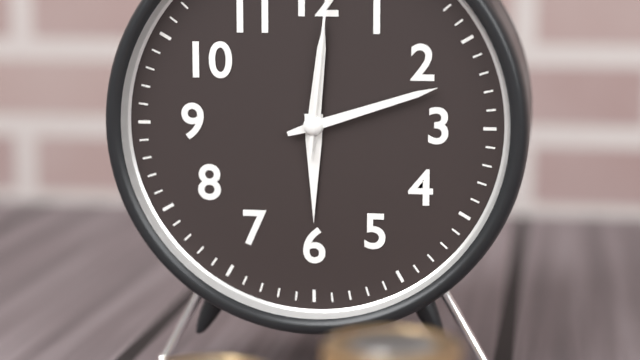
12:12
